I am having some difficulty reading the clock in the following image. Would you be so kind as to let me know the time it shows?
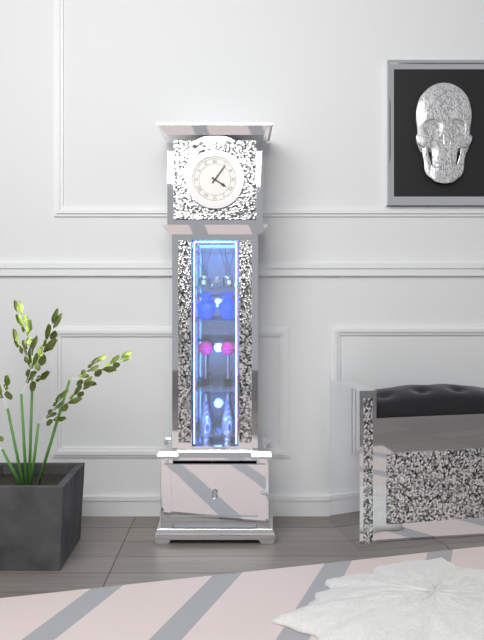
4:06
